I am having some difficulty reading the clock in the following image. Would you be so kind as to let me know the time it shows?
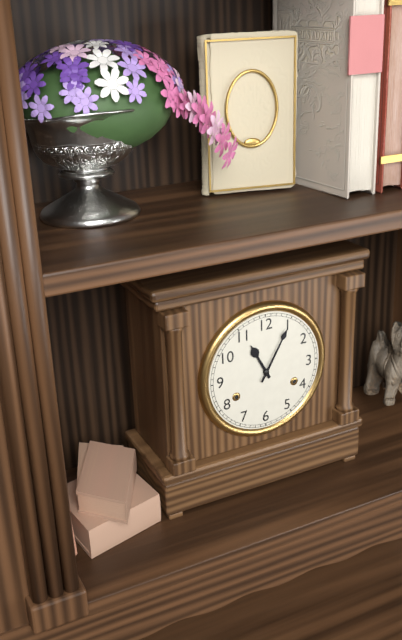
11:05
